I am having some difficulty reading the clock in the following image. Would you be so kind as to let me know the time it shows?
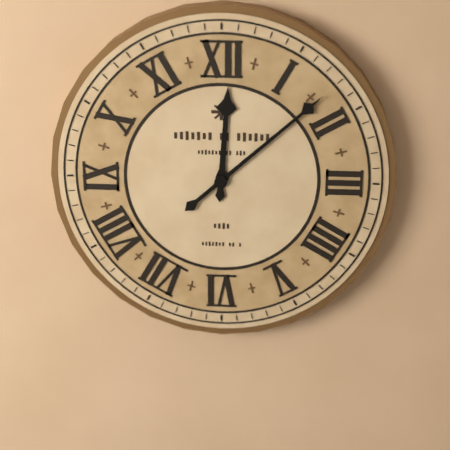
12:08
